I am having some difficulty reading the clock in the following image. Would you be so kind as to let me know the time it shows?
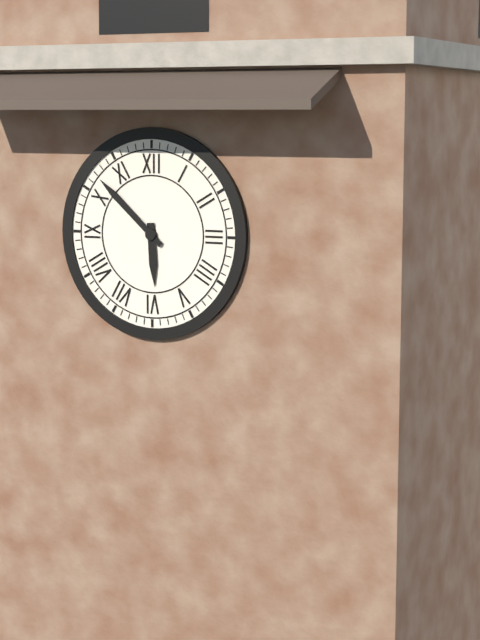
5:52
